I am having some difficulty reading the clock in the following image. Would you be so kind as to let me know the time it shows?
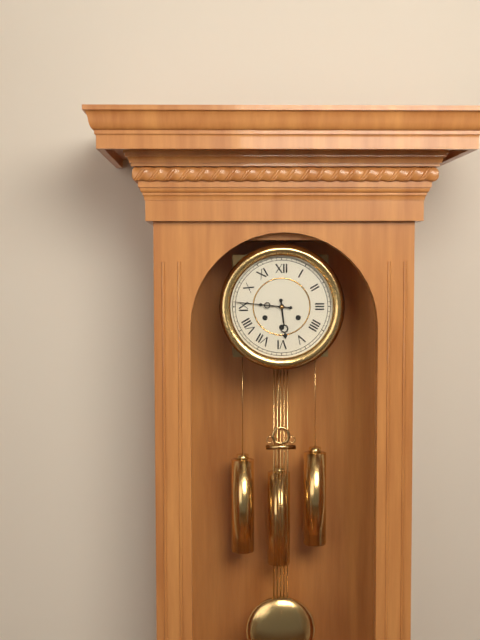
5:46
